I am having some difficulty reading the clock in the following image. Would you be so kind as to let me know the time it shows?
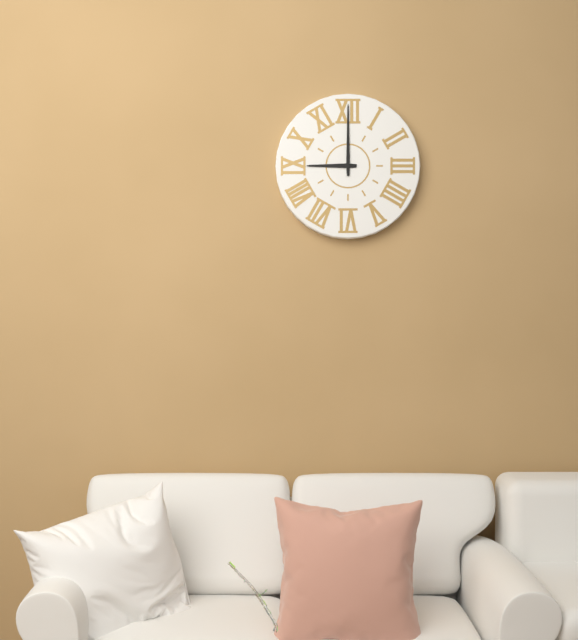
9:00
